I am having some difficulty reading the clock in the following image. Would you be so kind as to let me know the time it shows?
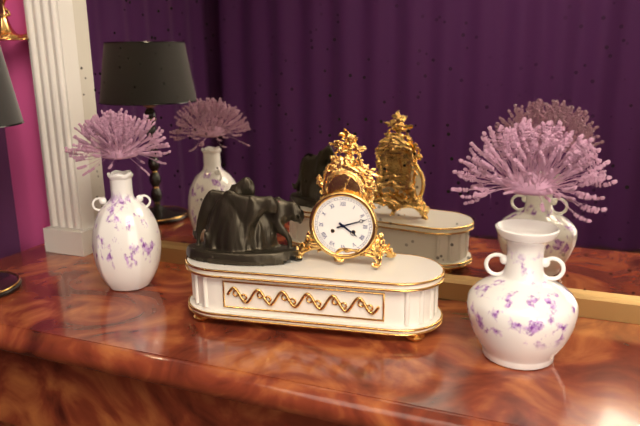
4:12
